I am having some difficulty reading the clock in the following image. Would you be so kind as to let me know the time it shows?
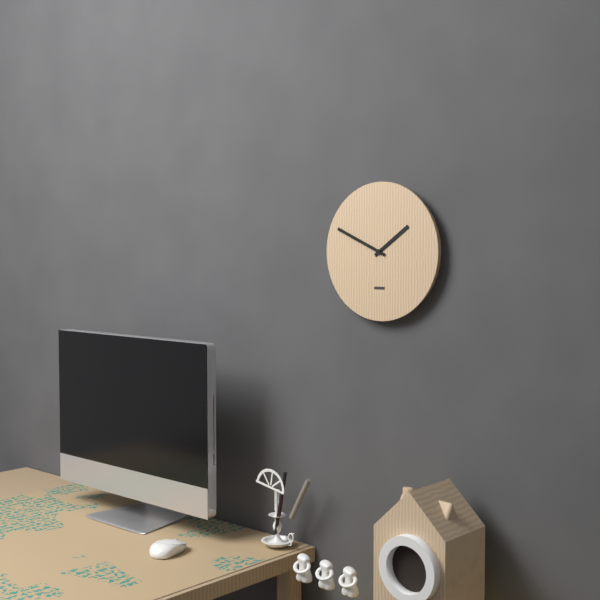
1:49
